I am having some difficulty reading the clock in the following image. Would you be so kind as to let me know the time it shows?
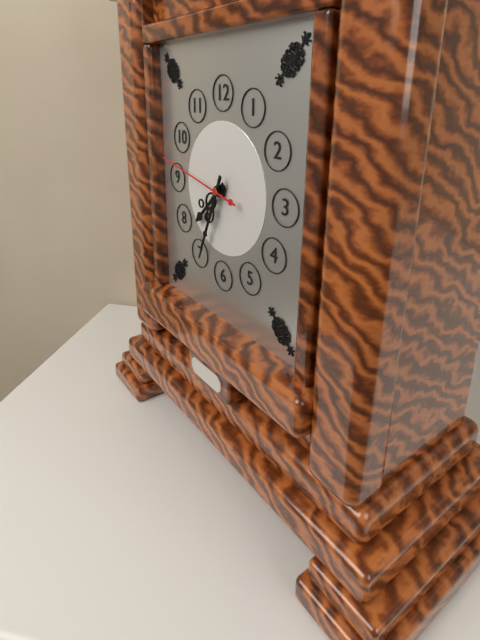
7:34:47
